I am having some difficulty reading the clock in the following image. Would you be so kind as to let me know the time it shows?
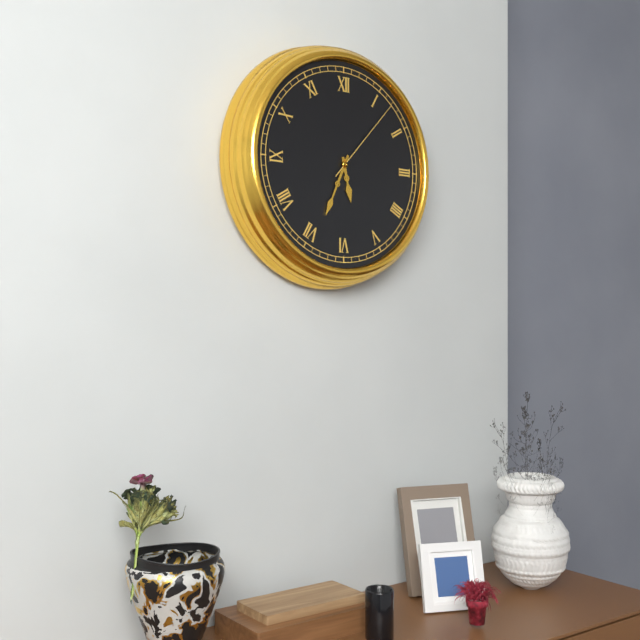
5:34:07
